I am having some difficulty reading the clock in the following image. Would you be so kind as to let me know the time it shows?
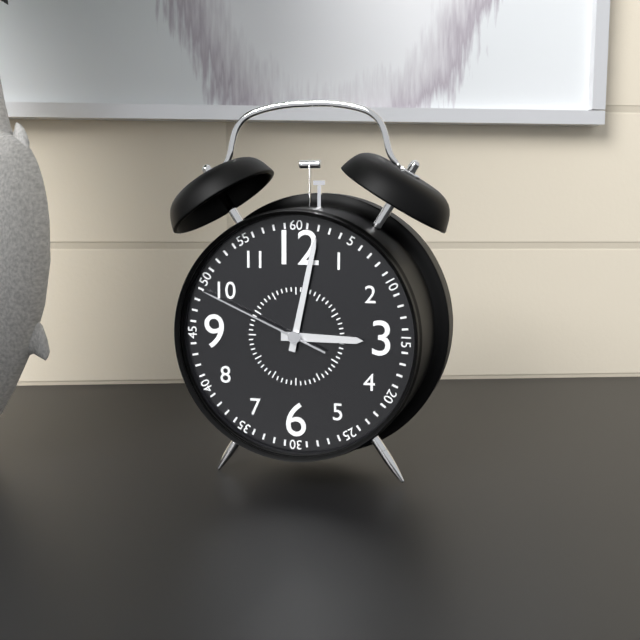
3:02:49
